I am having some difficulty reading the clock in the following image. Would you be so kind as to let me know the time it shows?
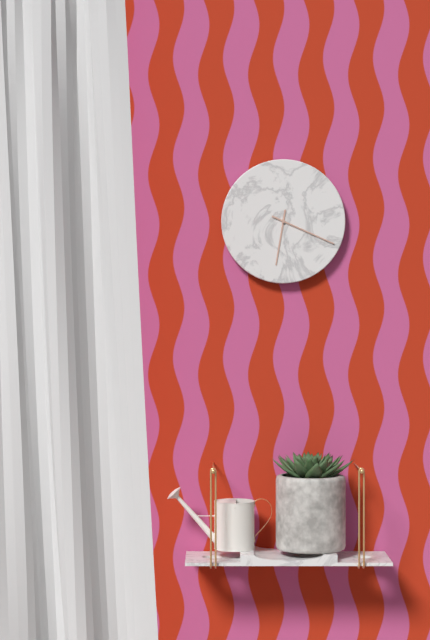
6:19
